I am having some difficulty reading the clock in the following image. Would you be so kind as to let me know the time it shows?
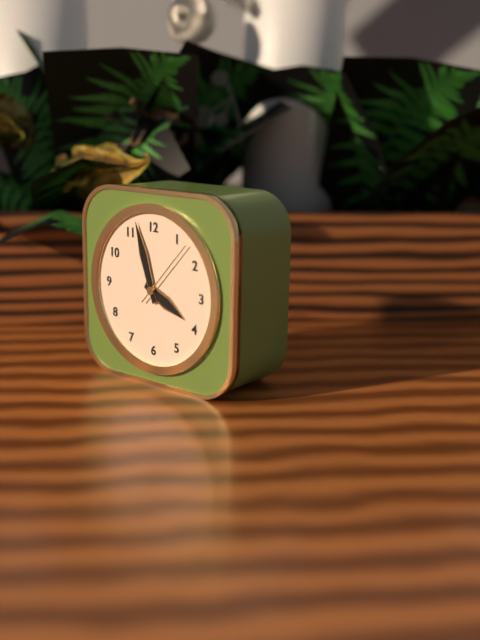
3:57:07
